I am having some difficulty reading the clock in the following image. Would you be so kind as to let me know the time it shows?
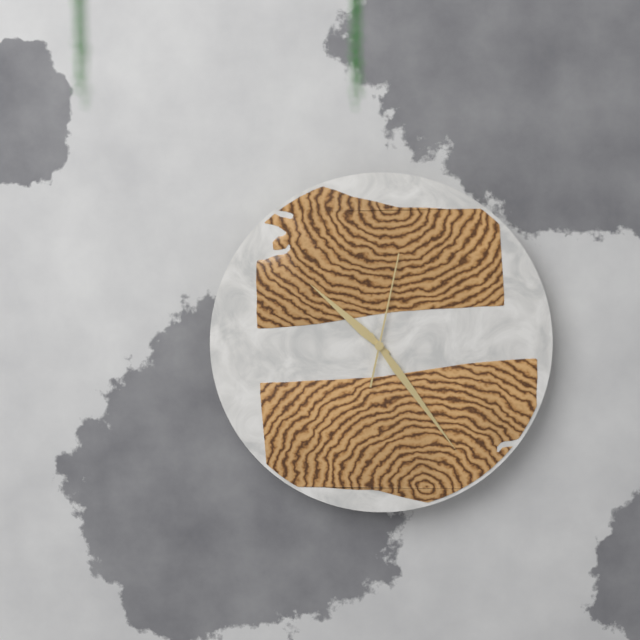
10:24:02
